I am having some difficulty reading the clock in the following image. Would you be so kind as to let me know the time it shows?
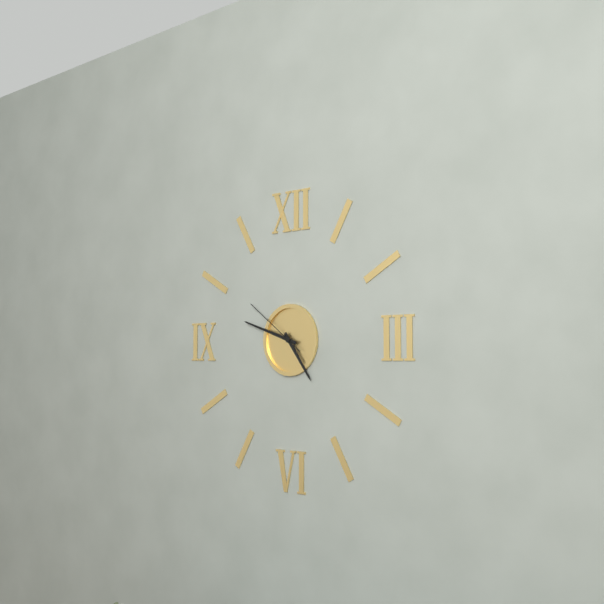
4:48:51
